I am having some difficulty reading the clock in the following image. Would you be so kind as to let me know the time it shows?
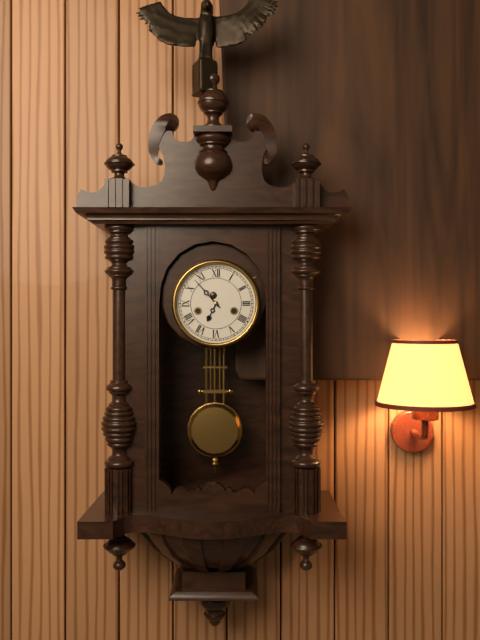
6:53
